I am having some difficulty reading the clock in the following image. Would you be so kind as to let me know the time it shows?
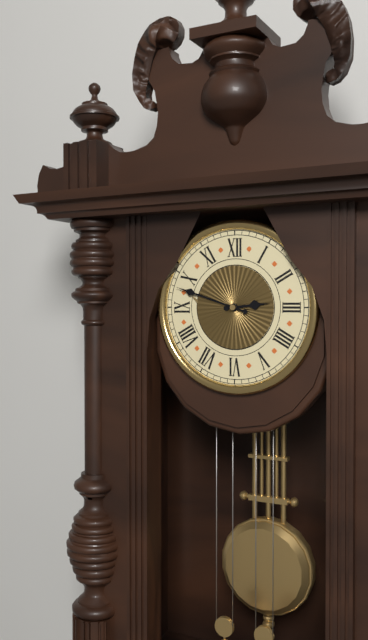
2:48
